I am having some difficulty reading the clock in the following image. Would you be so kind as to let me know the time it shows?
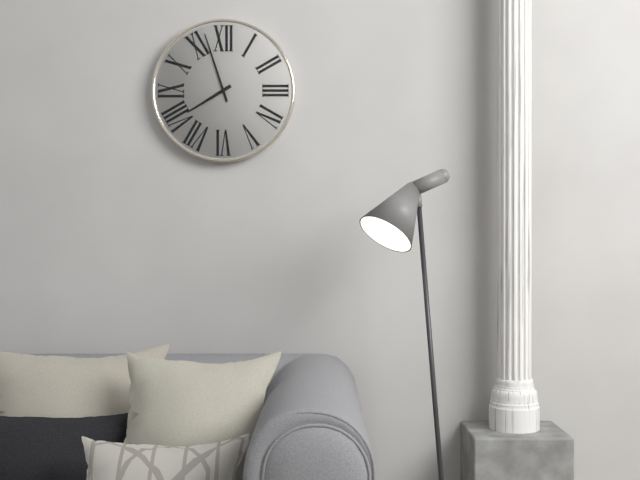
7:57
